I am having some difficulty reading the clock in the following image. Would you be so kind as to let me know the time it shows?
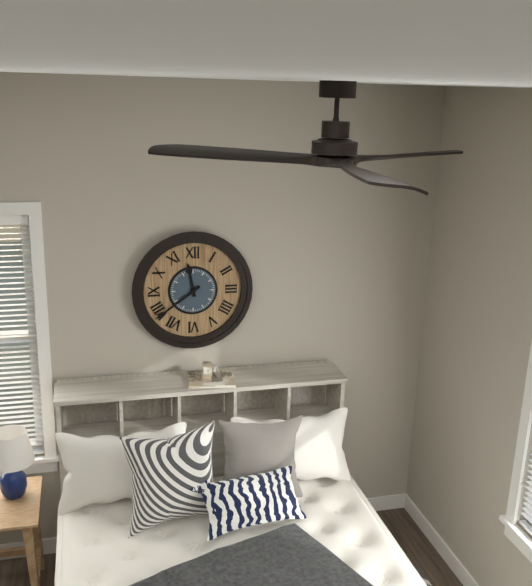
11:39
